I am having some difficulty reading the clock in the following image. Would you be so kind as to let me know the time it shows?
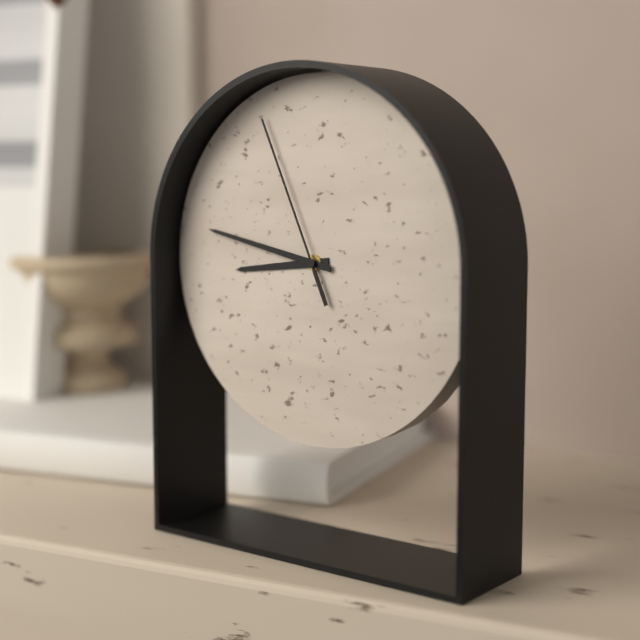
8:47:56
